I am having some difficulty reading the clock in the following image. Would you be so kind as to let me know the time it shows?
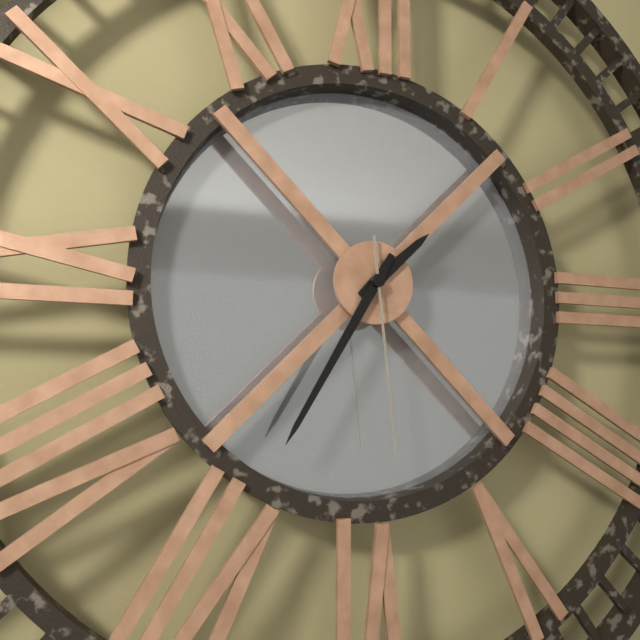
1:35:29
